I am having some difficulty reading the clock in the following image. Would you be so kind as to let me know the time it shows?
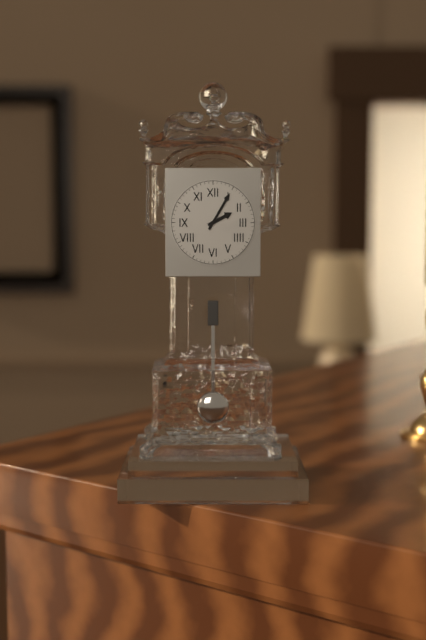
2:05
